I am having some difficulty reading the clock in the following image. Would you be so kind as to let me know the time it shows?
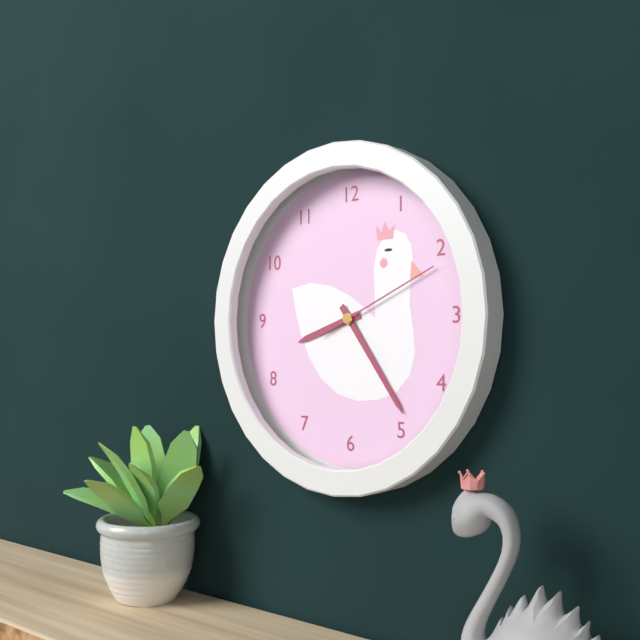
8:24:11
